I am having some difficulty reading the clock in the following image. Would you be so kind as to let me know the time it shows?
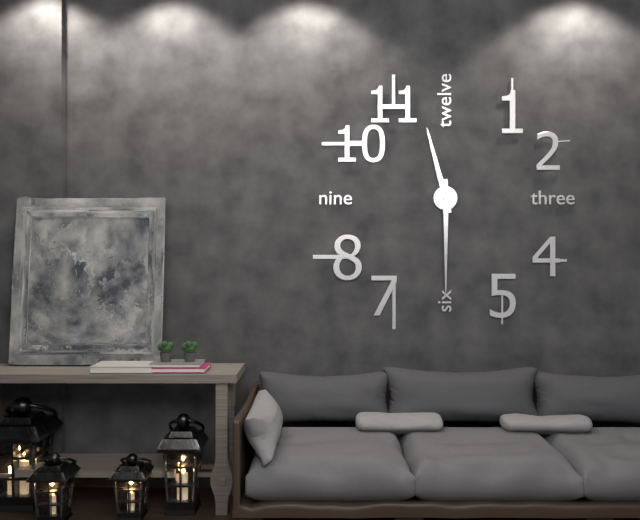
11:30
